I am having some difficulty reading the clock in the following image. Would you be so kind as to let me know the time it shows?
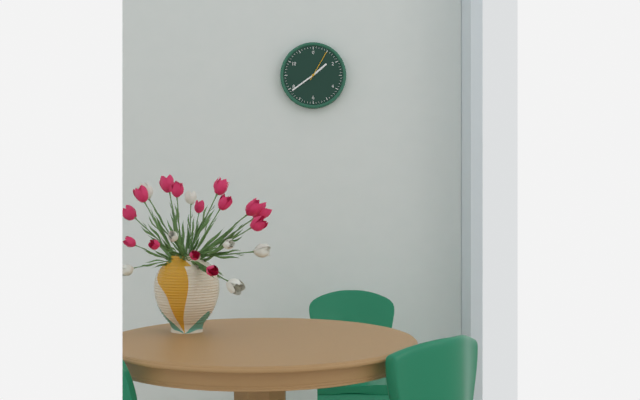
1:39
